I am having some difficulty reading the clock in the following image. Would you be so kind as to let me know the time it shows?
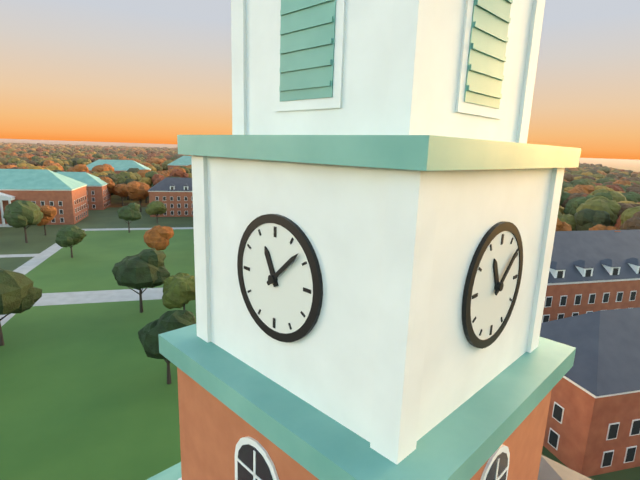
11:08
